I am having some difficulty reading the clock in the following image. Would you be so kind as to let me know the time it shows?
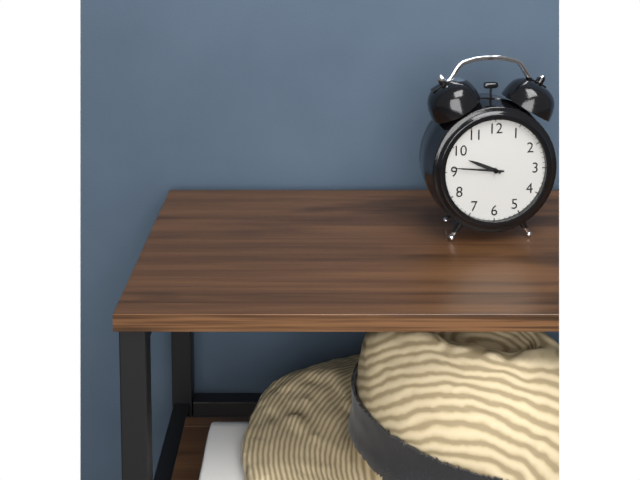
9:46
